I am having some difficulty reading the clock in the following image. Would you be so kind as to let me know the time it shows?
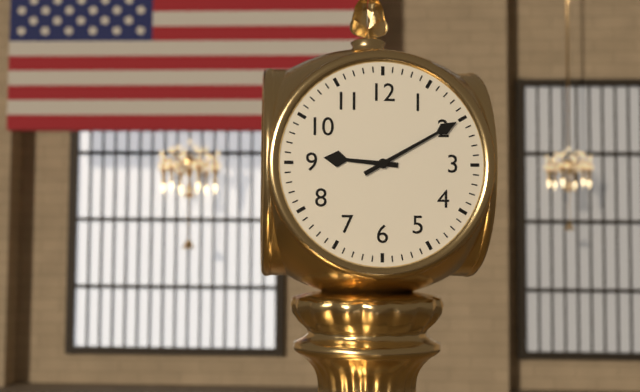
9:10
